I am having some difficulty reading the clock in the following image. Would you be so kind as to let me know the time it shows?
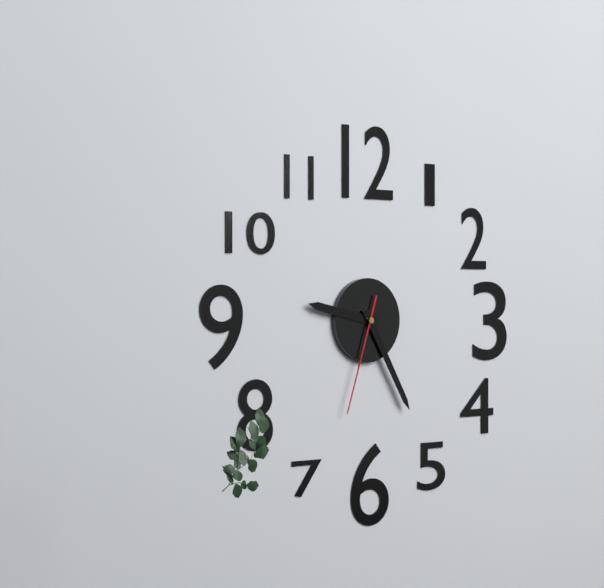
9:25:33
